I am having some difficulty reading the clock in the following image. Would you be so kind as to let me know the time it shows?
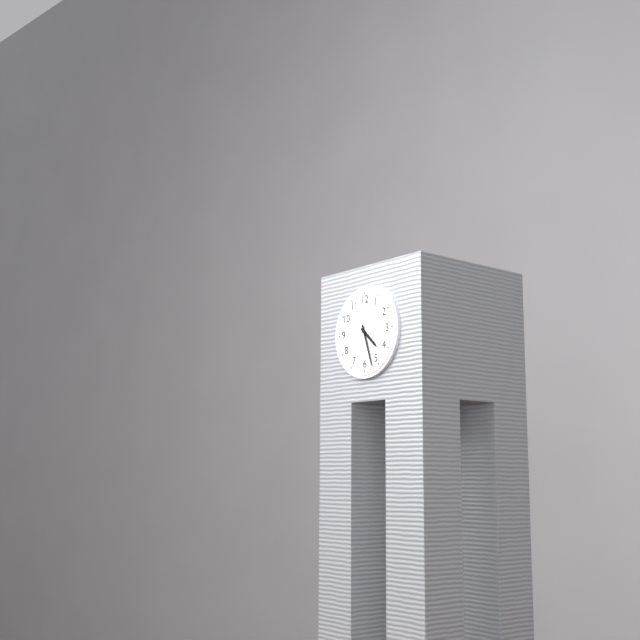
4:27
